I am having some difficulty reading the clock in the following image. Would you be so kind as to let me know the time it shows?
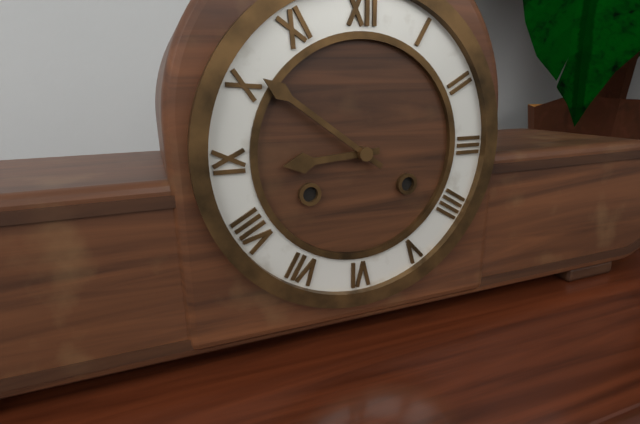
8:51
